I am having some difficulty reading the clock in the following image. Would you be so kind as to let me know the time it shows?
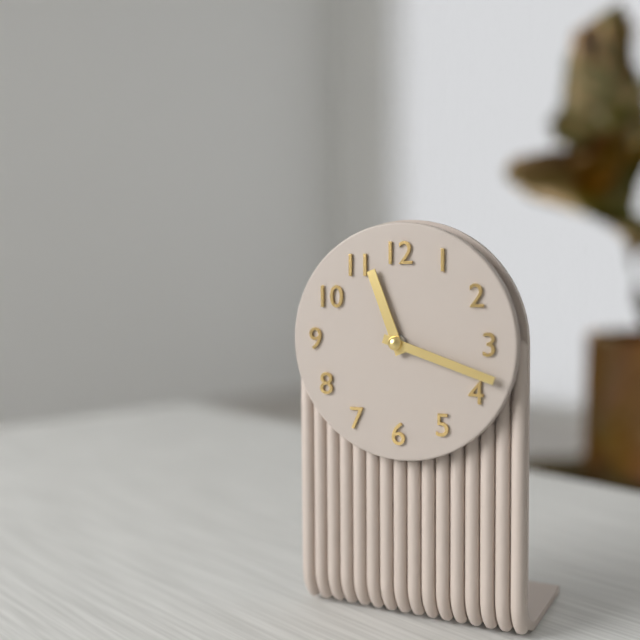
11:18
